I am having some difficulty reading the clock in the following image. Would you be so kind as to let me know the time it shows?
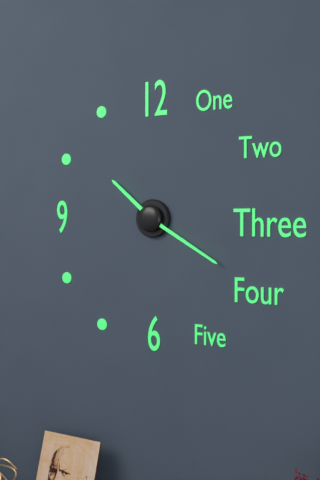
10:20
